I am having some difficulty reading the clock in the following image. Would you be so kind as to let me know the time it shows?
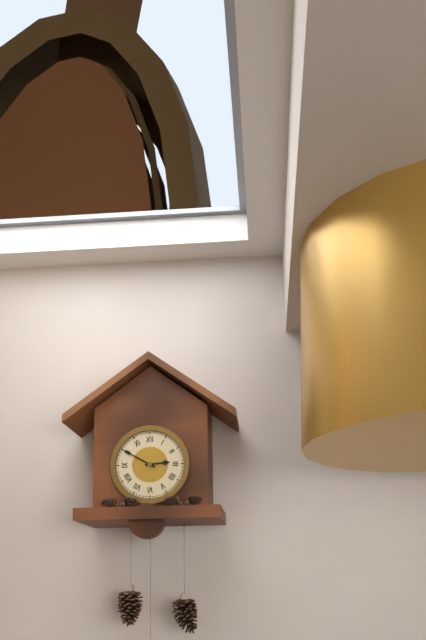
2:50
